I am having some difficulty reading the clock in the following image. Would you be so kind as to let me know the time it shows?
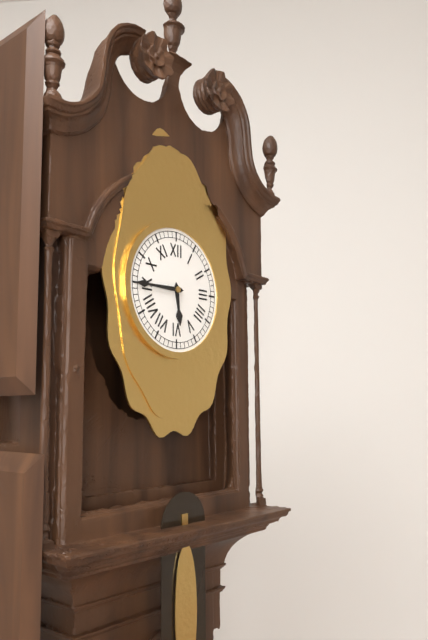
5:45
